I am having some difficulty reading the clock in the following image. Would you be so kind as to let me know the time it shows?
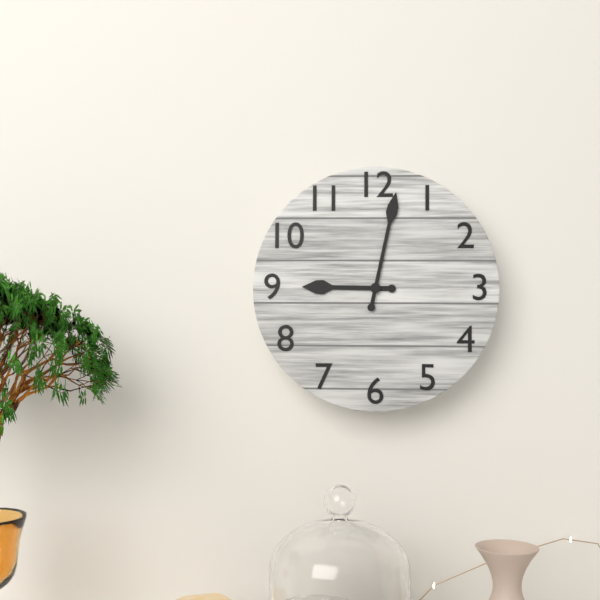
9:02
